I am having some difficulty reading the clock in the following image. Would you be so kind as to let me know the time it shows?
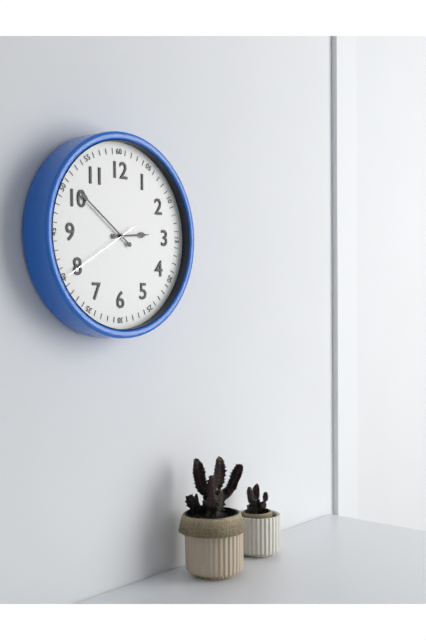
2:51:40
